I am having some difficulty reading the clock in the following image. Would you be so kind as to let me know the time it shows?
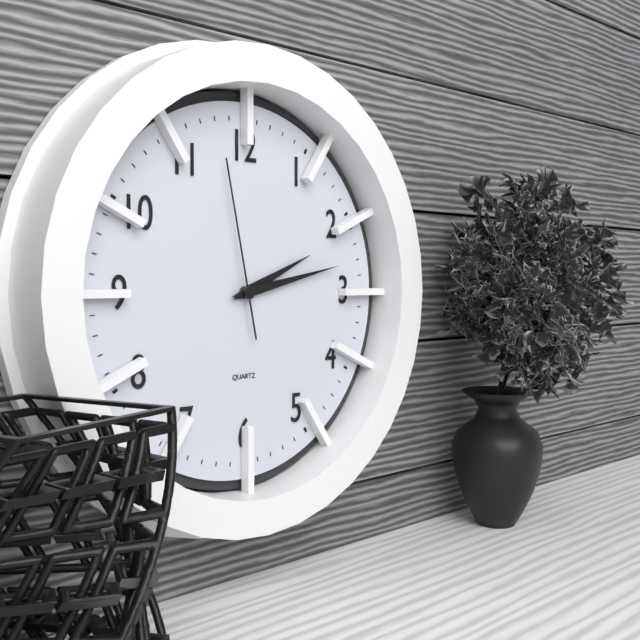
2:13:58
